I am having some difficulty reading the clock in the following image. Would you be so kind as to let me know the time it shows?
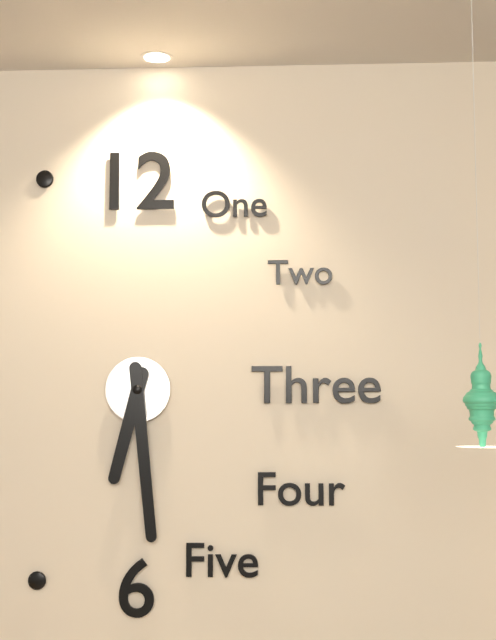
6:29
